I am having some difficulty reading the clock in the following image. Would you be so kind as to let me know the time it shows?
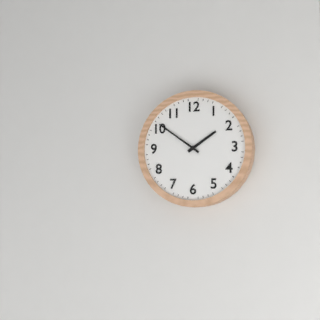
1:51
